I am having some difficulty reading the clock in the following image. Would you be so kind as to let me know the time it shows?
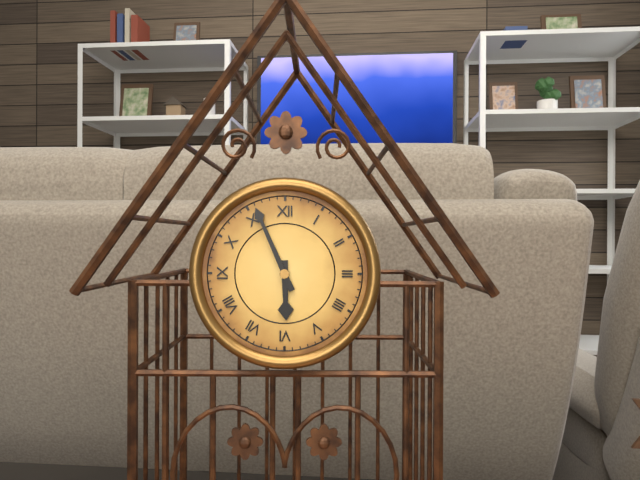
5:56
